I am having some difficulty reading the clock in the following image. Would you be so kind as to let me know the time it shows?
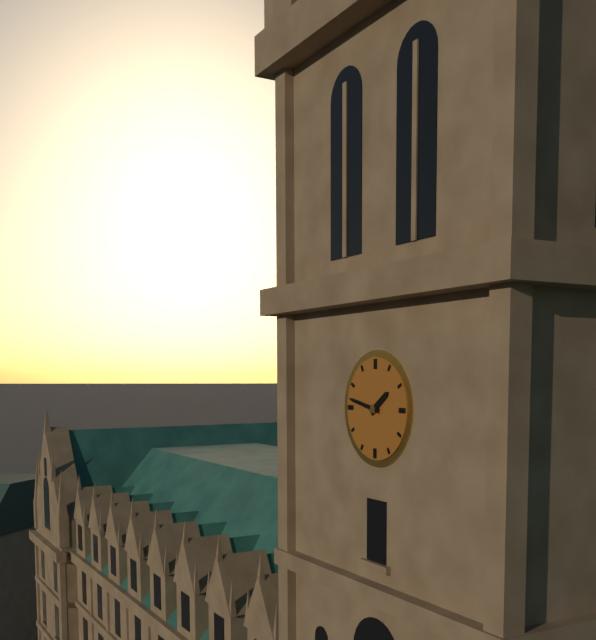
1:47
